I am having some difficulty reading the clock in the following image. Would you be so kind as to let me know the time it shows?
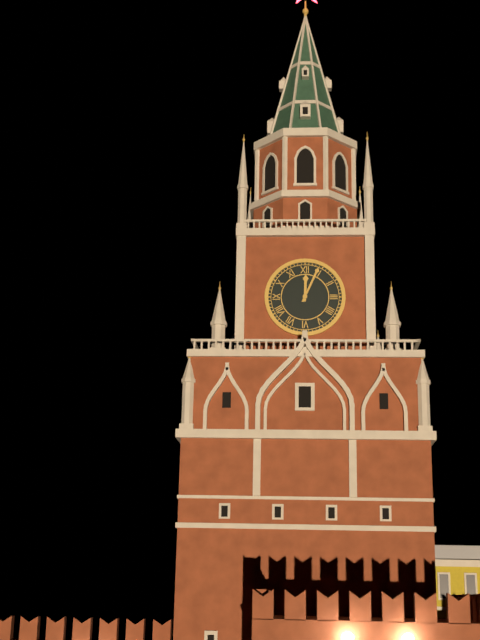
12:04
